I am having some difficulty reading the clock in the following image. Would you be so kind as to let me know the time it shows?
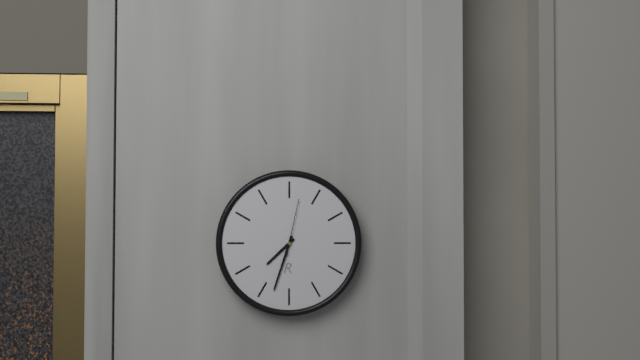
7:33:02
